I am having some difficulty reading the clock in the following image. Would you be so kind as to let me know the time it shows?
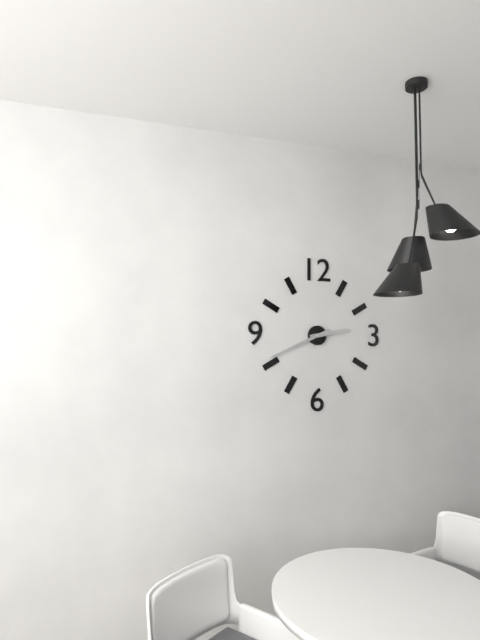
2:41
